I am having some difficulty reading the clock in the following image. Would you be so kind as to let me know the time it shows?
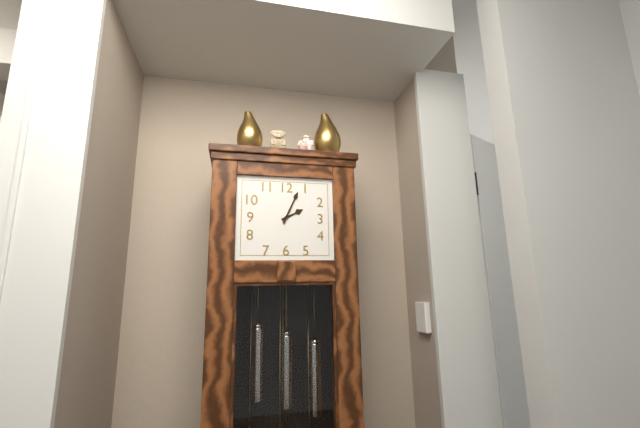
2:04
